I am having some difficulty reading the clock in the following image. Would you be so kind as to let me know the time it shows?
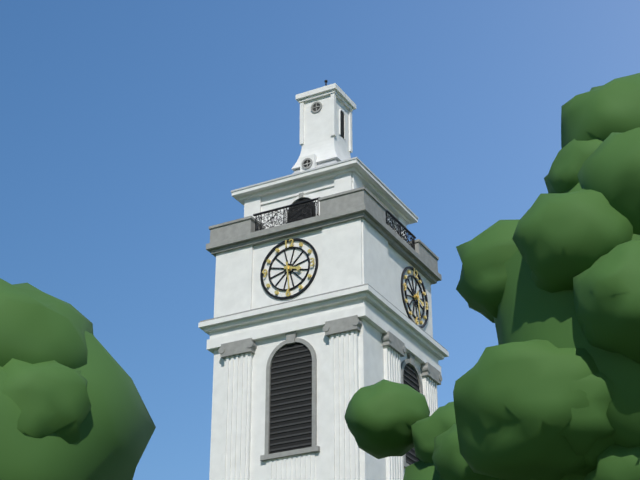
3:29
